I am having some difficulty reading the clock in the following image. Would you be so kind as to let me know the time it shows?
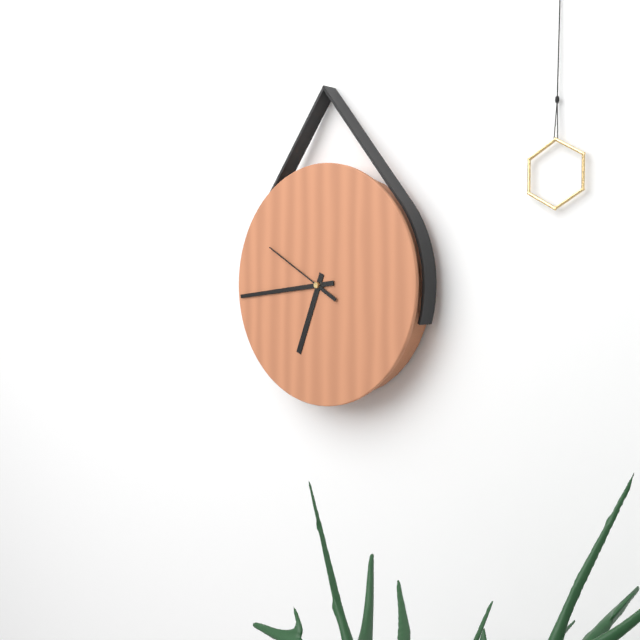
6:44:50
